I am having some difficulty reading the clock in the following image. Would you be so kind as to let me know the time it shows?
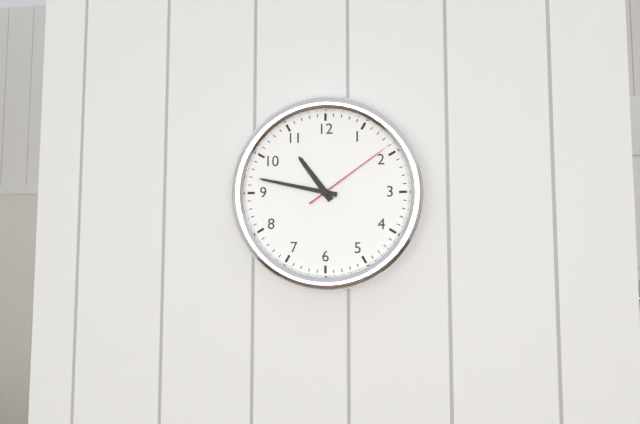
10:47:09
